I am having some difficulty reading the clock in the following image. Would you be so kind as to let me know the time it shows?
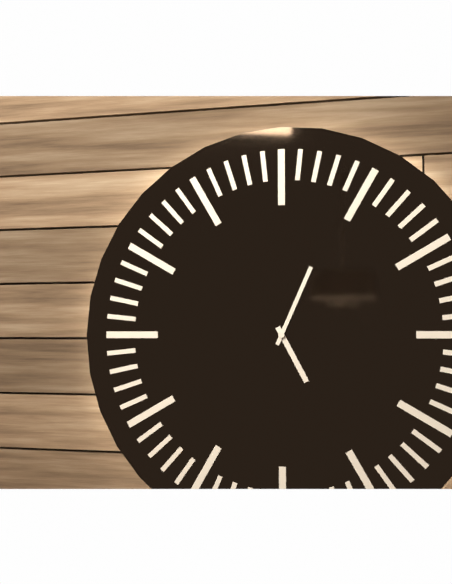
5:04
